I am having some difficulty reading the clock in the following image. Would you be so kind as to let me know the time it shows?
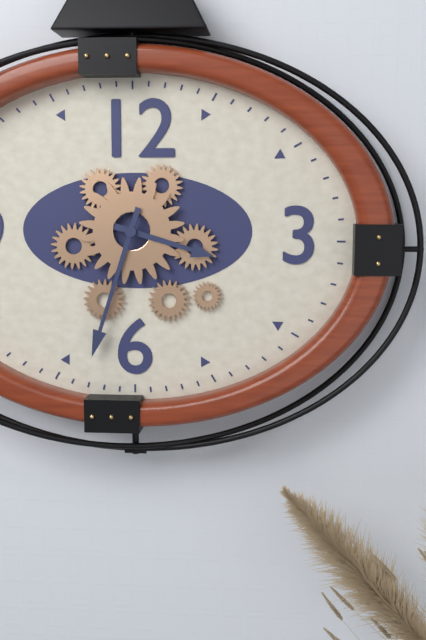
3:33
